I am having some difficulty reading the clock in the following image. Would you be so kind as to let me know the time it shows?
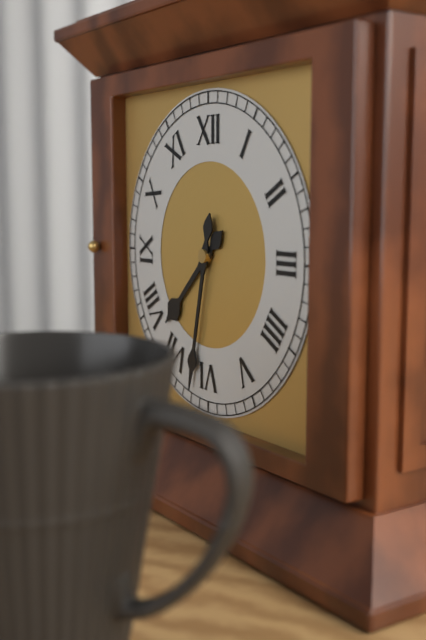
7:32
